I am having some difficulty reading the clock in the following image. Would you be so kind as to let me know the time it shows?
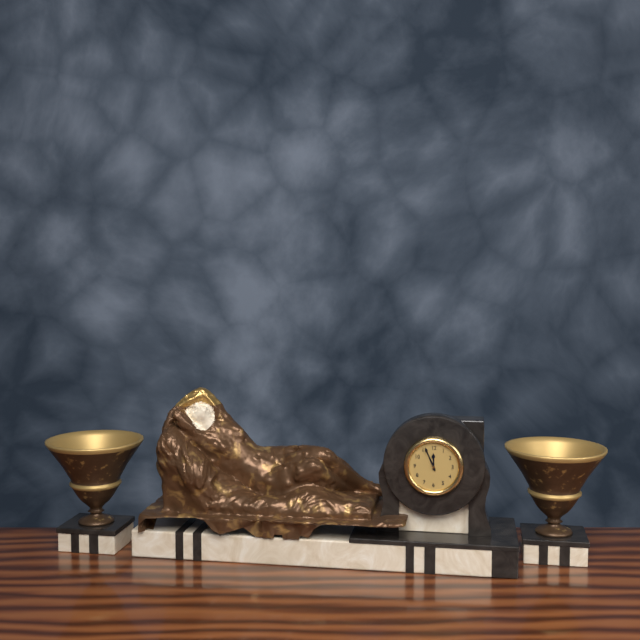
11:56
